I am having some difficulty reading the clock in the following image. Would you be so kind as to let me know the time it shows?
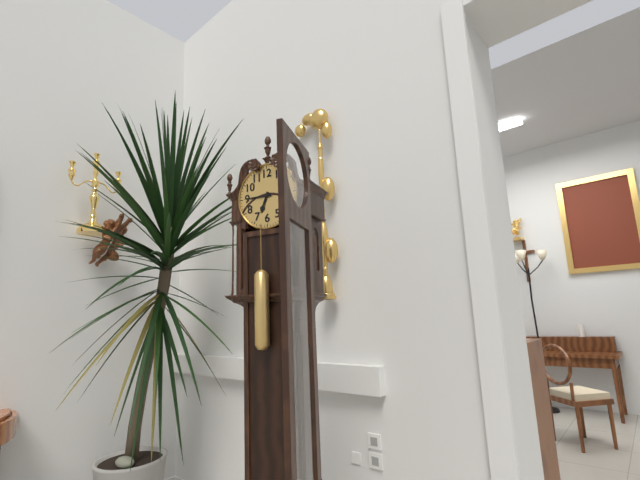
6:45
